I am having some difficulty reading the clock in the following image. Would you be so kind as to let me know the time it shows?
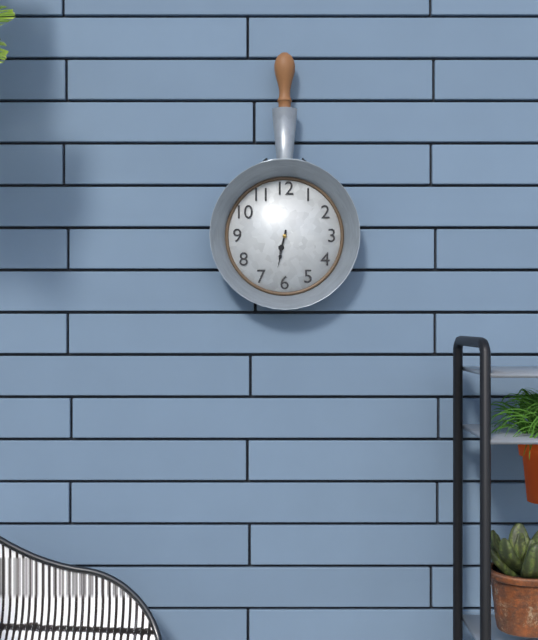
6:32
